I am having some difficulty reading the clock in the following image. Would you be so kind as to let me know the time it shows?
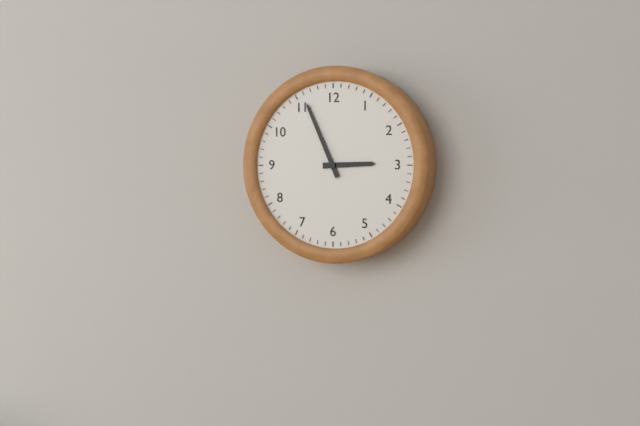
2:56
